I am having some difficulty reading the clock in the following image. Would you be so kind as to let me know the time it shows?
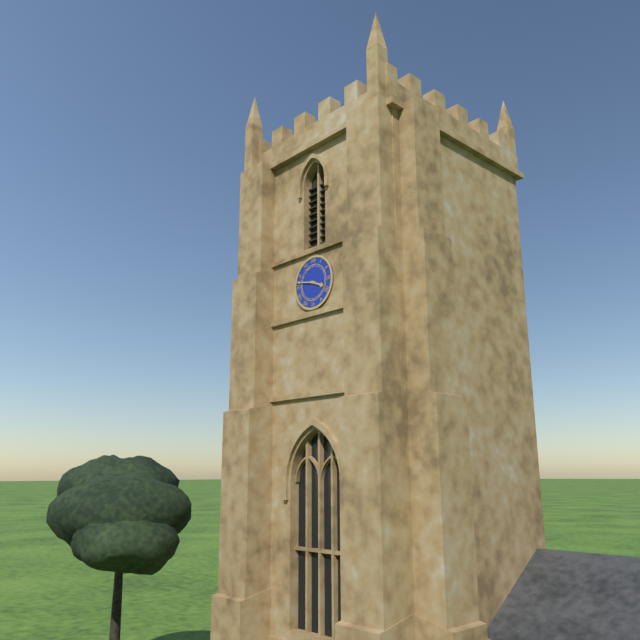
3:47
